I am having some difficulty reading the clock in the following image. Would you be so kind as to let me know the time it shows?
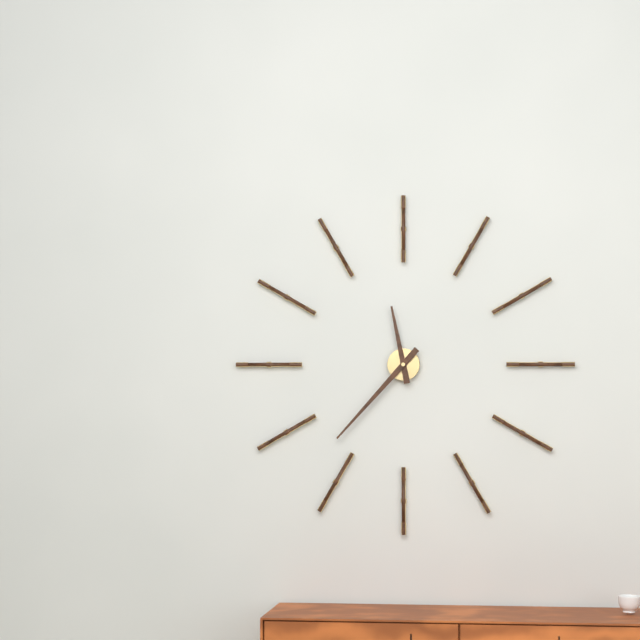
11:37
